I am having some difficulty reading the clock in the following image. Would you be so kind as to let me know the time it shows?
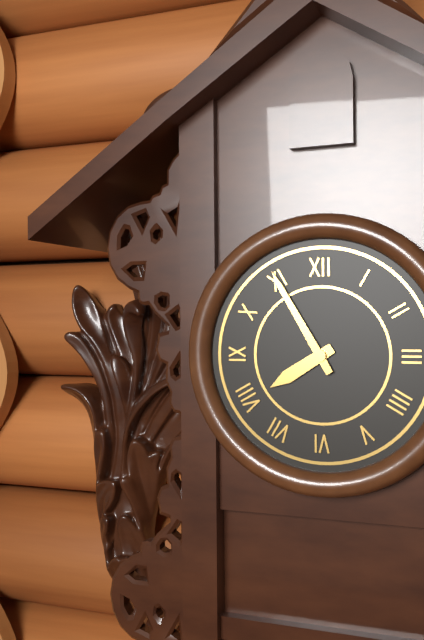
7:55
